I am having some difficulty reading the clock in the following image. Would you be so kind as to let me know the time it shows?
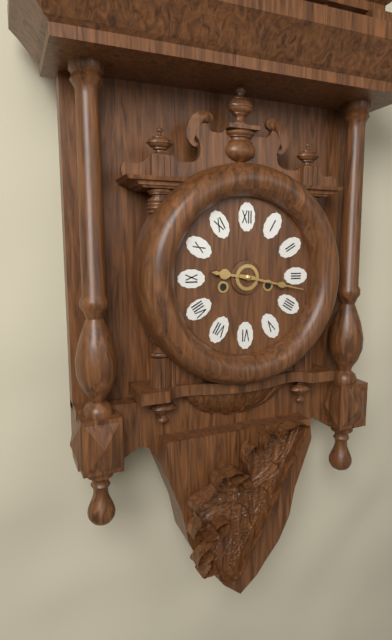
9:17
